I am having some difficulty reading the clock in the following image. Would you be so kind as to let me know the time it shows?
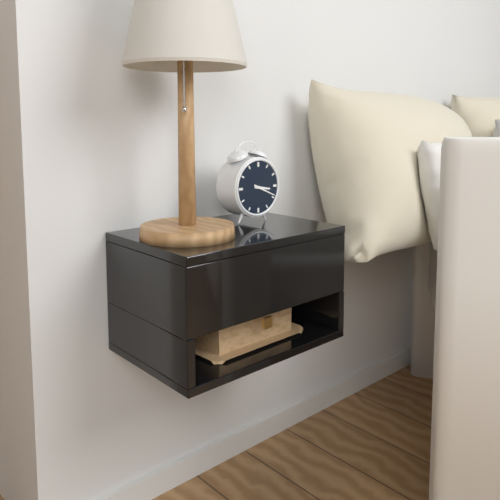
3:19
